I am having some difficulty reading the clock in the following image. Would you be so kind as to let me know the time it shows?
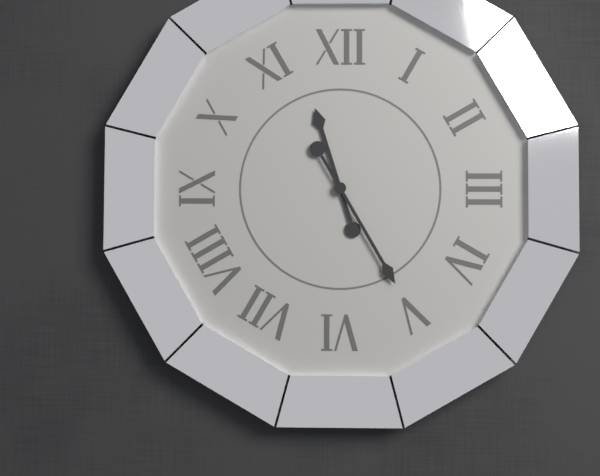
11:25
